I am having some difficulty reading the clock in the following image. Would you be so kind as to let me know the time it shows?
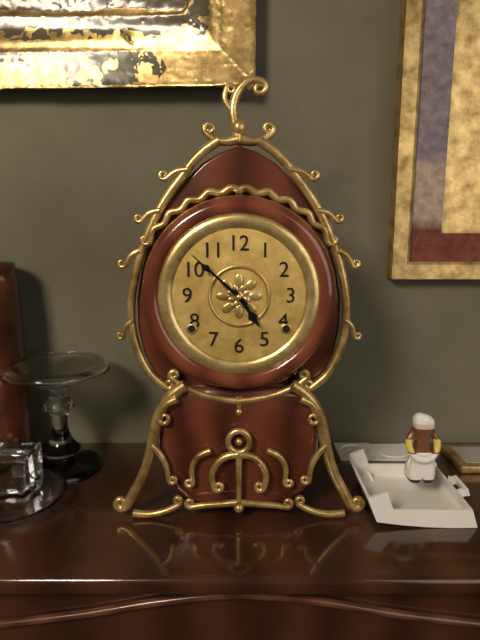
4:52
